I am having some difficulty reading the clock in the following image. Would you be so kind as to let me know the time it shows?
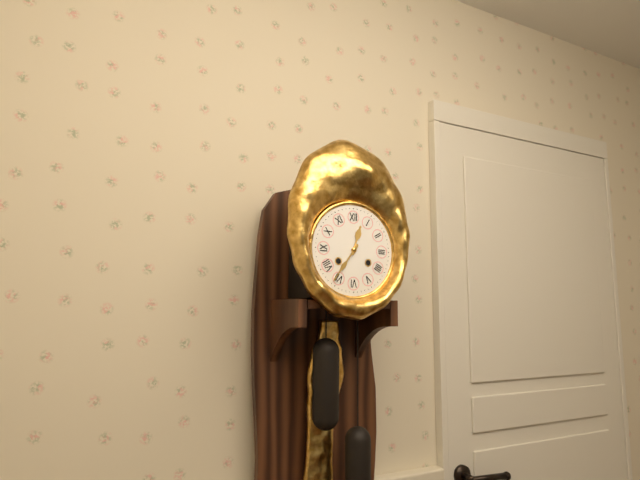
12:36
